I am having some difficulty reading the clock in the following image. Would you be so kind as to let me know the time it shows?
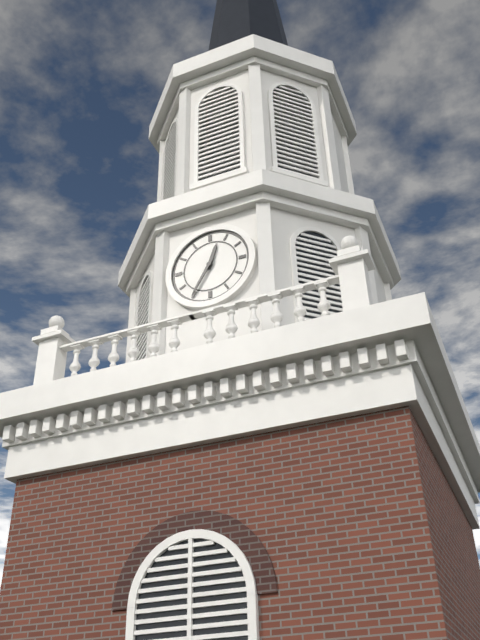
12:35
